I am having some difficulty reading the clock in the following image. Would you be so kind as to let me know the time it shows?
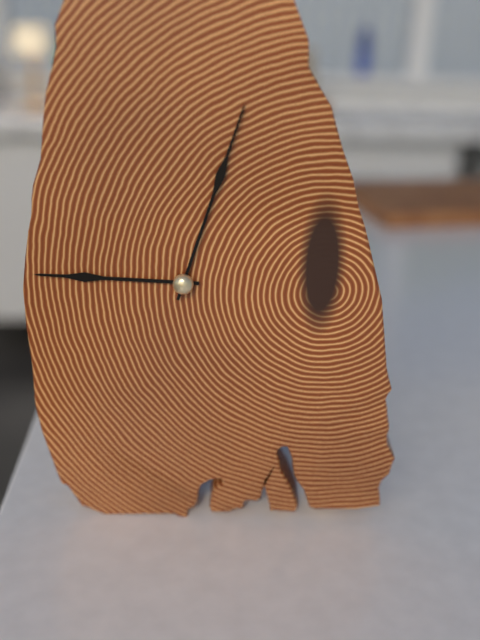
9:03
